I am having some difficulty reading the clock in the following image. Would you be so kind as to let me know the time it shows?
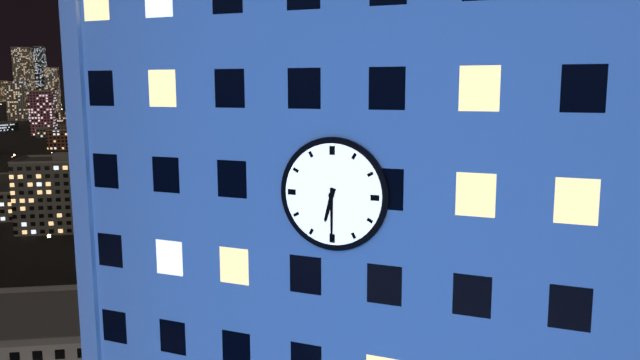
6:30
